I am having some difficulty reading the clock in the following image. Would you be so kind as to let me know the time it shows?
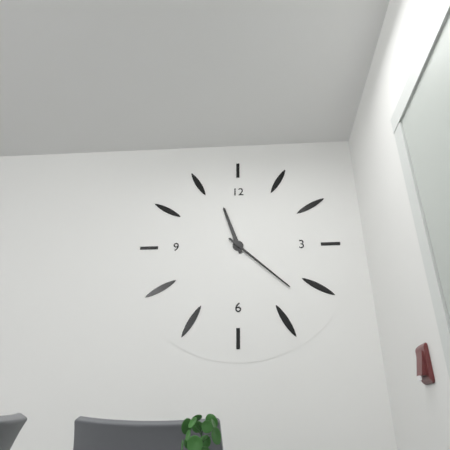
11:22
